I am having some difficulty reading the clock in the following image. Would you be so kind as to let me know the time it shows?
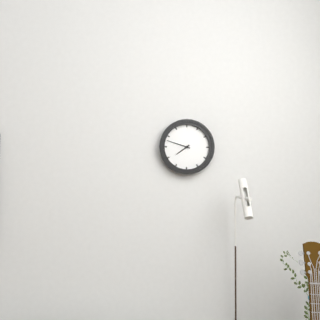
7:48
